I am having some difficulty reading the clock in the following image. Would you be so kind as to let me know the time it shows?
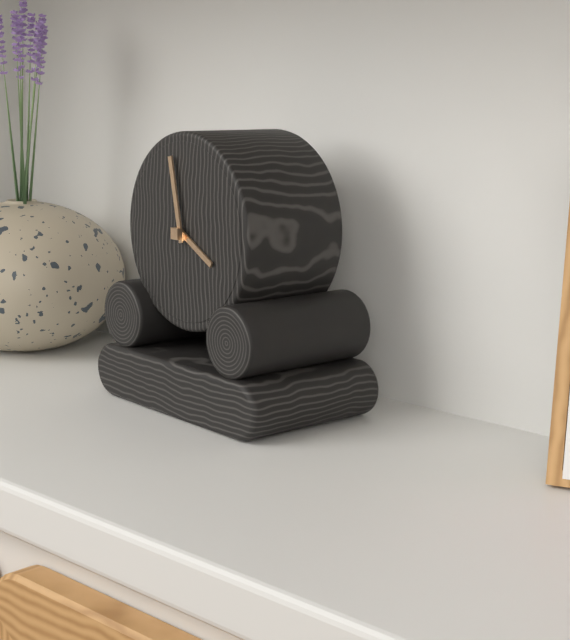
3:58
